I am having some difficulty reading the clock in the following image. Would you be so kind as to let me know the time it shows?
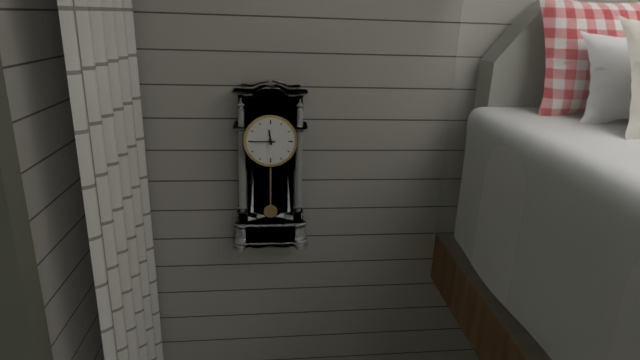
11:45
